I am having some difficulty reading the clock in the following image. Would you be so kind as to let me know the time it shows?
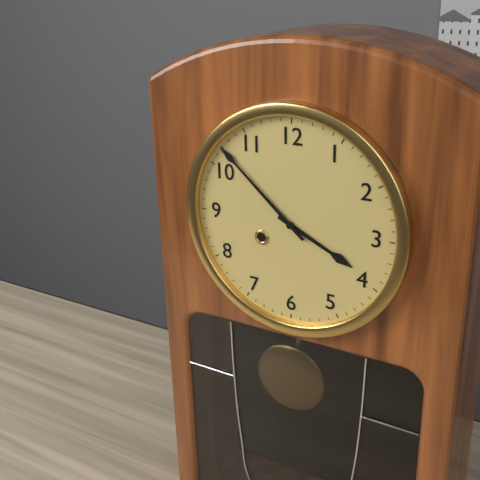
3:52
